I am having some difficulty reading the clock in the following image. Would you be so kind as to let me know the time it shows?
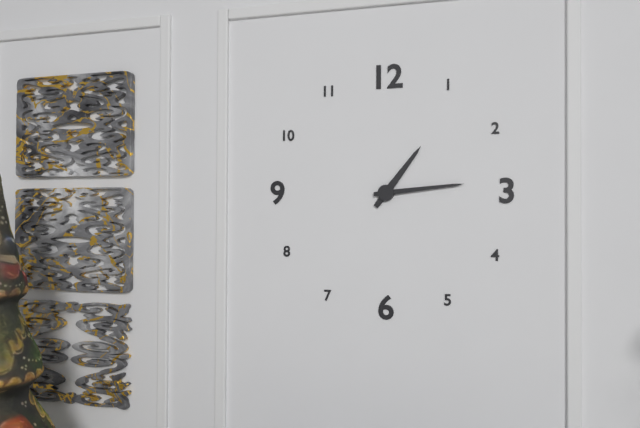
1:14
